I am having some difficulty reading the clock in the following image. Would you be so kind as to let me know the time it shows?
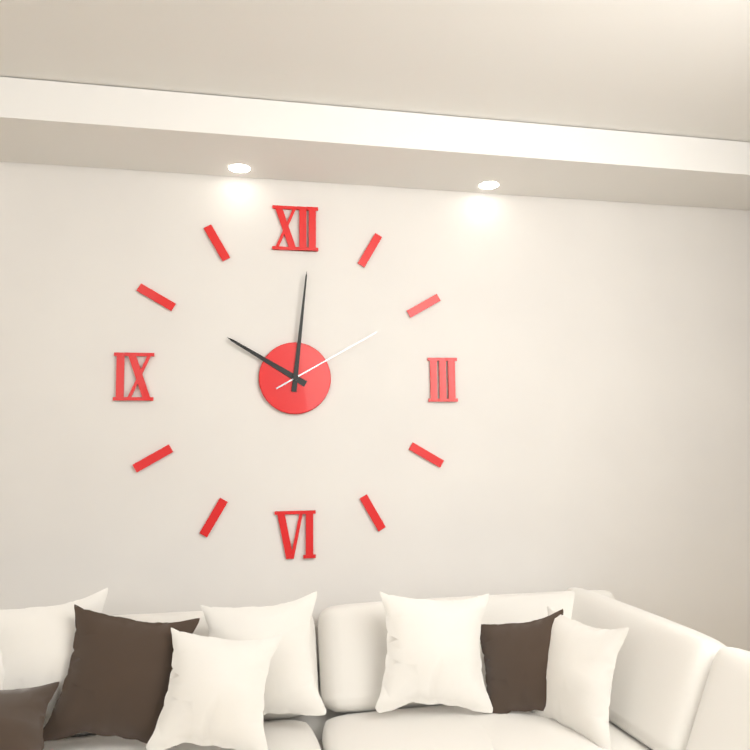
10:01:10
